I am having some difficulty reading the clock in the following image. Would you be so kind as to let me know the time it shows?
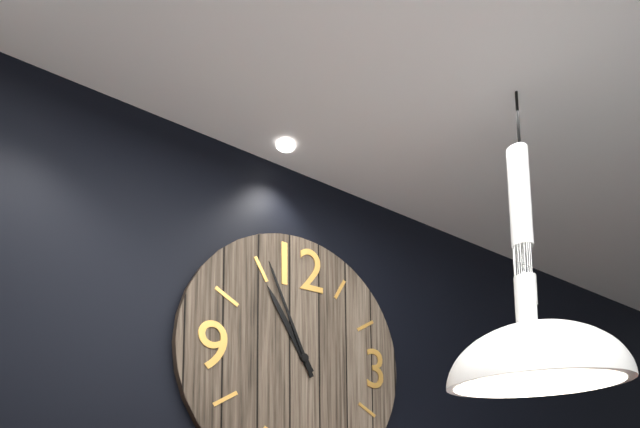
10:56
